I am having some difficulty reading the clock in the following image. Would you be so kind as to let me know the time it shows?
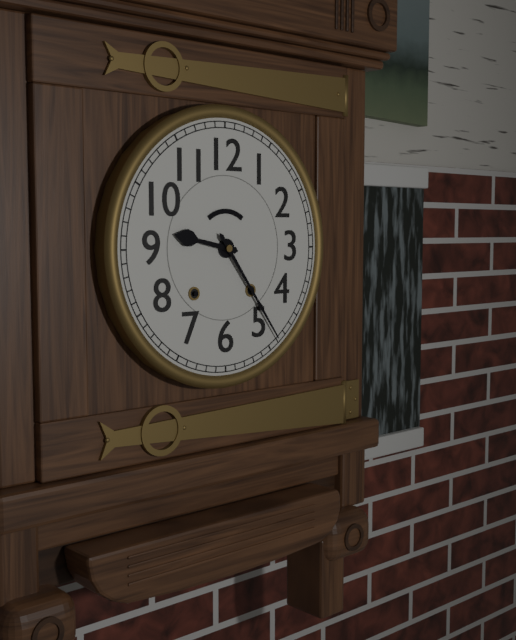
9:24
